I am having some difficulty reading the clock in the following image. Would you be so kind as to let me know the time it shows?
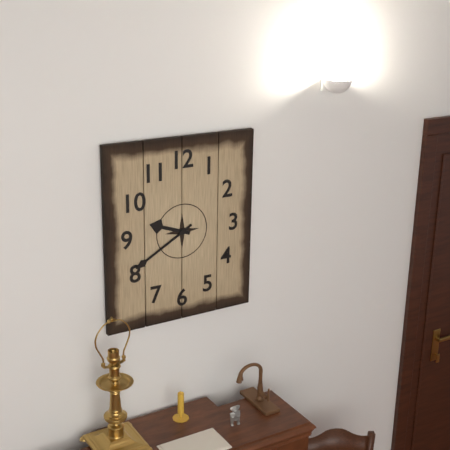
9:40
